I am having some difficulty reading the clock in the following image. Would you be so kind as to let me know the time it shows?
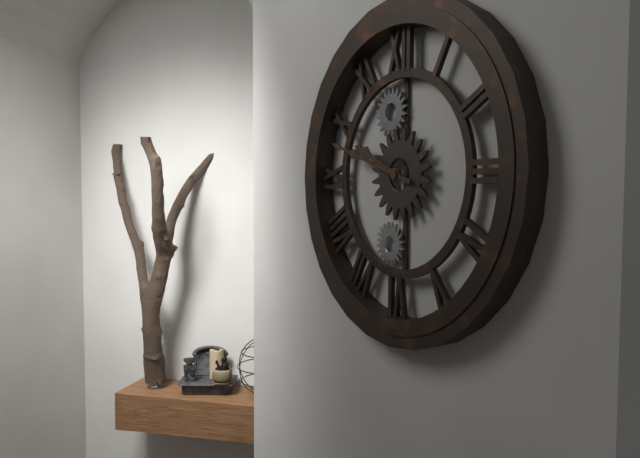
9:48
